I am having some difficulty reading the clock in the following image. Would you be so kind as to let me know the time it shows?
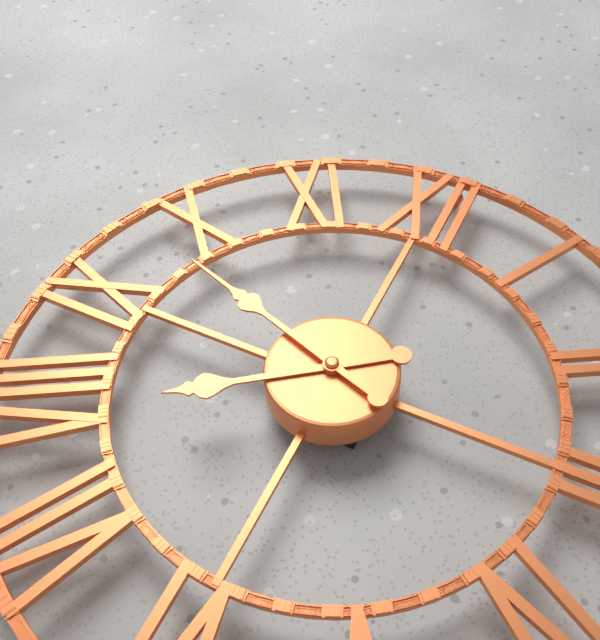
7:48
